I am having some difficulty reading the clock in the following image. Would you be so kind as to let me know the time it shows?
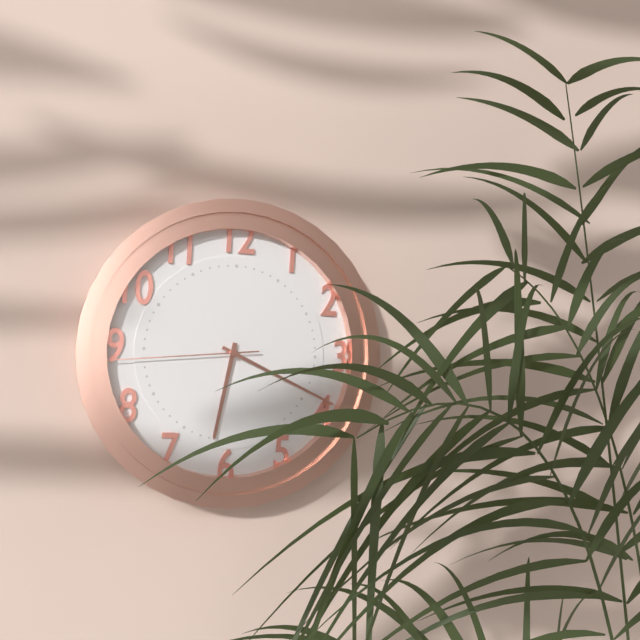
6:19:44
